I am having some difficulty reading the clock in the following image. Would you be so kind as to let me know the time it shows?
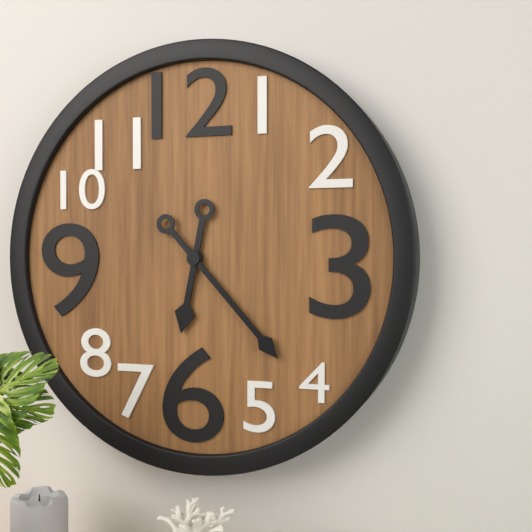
6:23
